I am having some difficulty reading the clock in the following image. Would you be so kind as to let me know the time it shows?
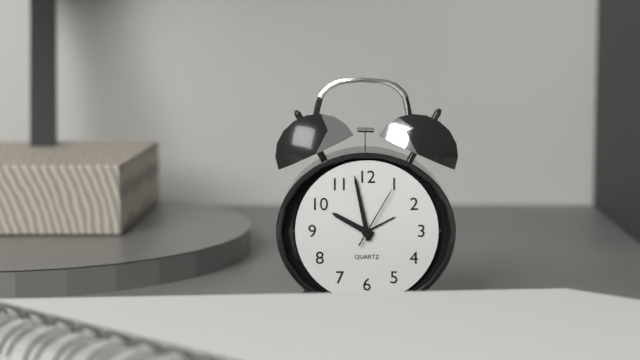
9:58:05
